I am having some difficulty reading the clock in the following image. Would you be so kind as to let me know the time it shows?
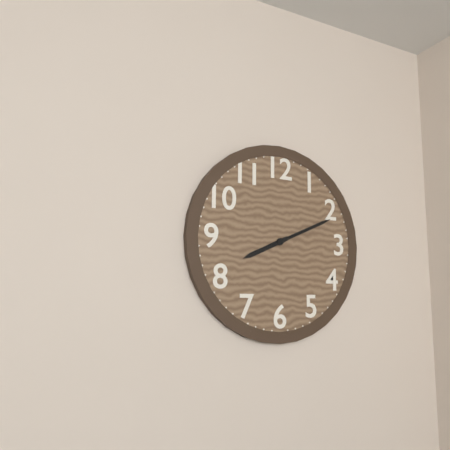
8:11
